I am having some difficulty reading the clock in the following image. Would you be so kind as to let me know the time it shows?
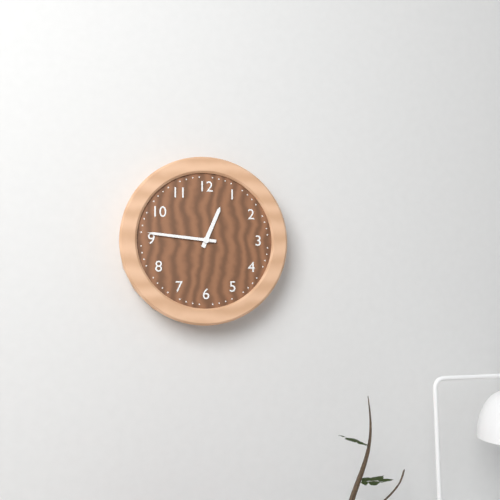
12:46
